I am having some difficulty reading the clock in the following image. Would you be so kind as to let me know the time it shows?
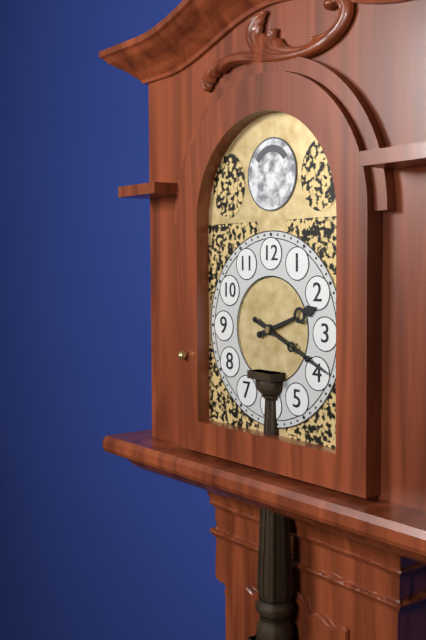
2:19
